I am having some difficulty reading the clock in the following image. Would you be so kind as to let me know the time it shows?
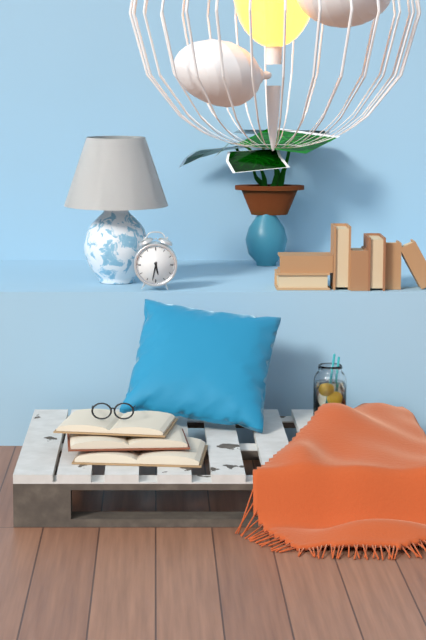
5:32
